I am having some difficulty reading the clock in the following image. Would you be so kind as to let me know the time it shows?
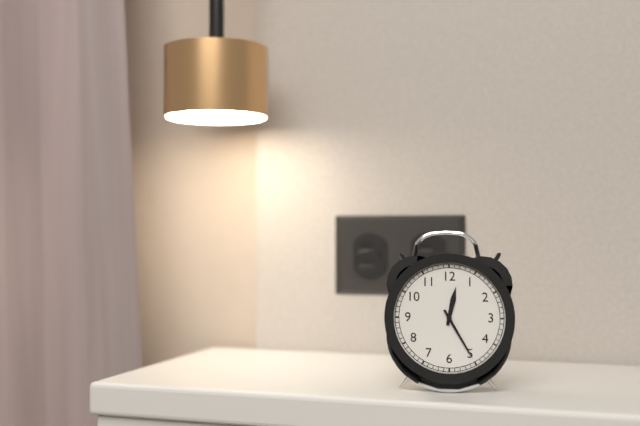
12:25
